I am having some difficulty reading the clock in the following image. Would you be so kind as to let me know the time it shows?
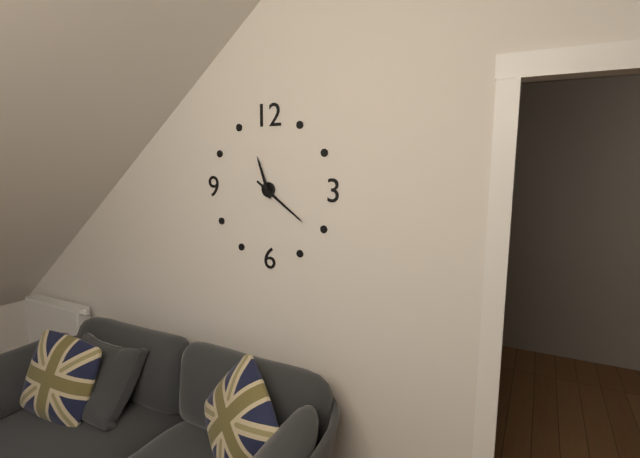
11:21
